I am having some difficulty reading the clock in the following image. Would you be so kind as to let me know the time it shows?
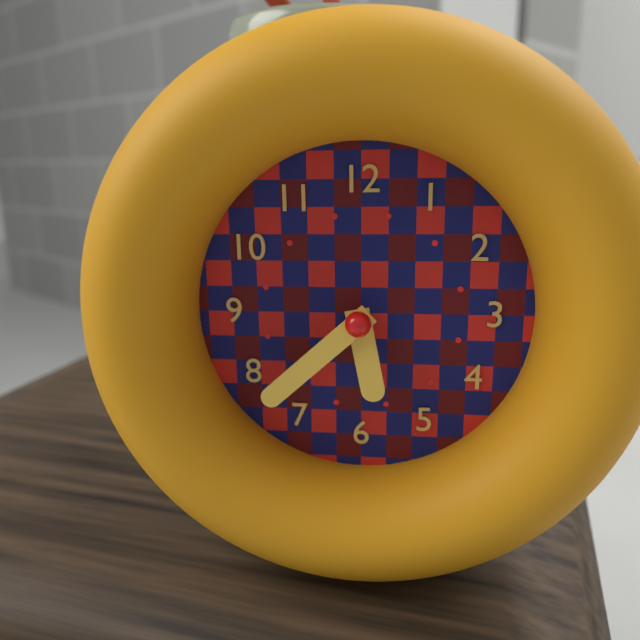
5:38
